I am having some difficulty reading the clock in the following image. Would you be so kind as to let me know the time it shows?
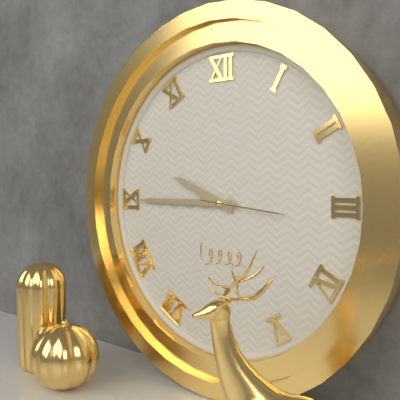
9:45:16
